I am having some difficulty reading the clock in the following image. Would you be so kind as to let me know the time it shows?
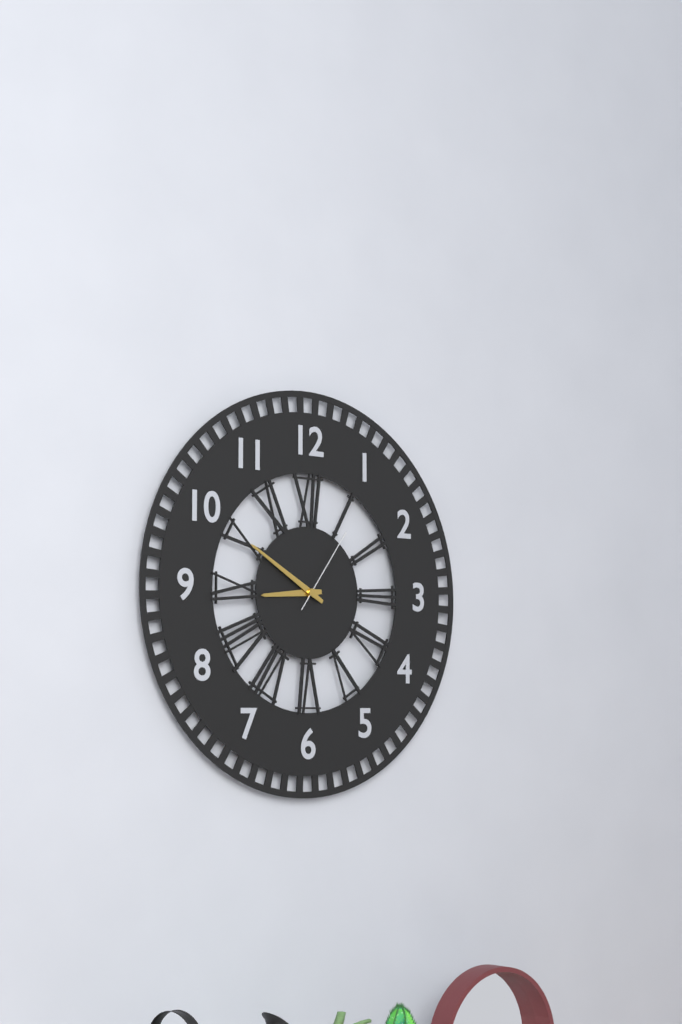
8:50:06
